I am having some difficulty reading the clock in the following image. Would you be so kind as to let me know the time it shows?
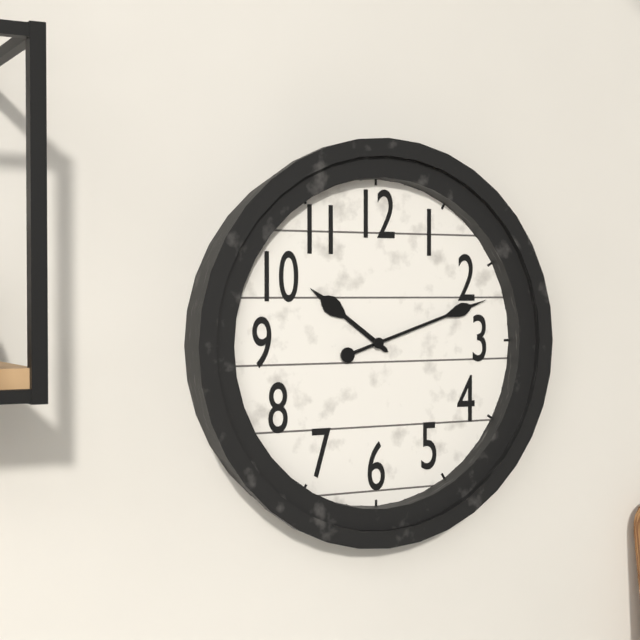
10:12
